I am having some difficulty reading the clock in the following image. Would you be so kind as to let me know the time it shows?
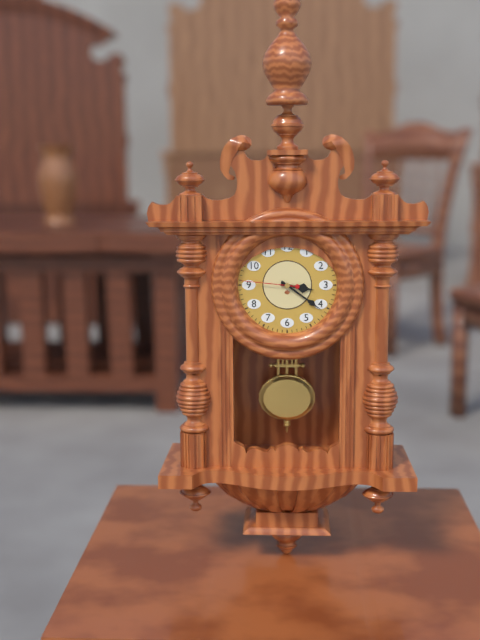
3:21:46
